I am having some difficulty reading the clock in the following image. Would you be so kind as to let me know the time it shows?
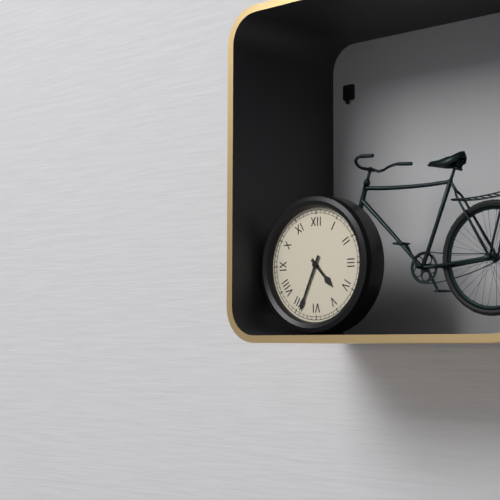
4:34
